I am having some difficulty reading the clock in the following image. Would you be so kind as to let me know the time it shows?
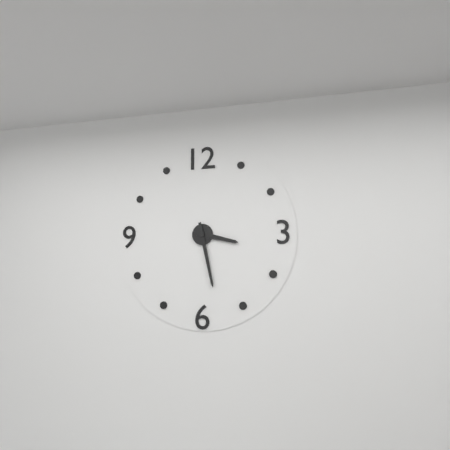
3:28
